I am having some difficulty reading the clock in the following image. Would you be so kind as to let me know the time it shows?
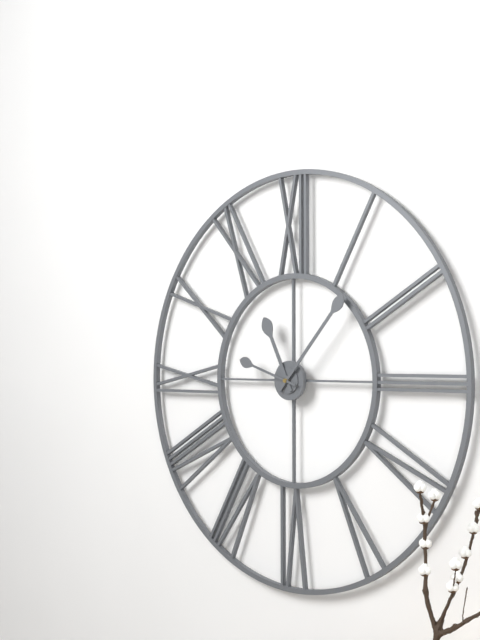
11:07:48
